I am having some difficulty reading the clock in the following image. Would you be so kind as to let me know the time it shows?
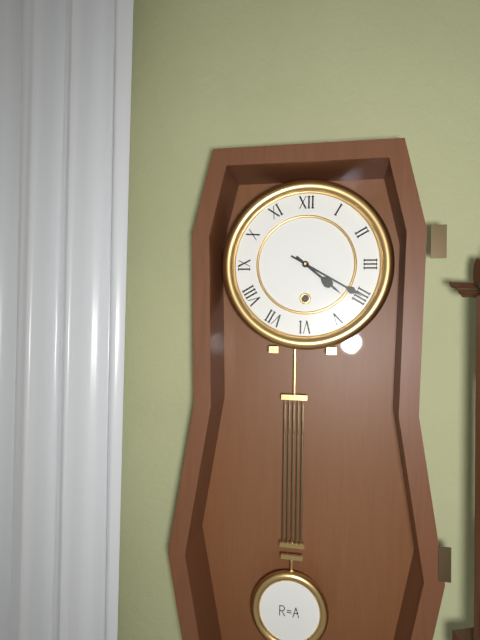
4:20
